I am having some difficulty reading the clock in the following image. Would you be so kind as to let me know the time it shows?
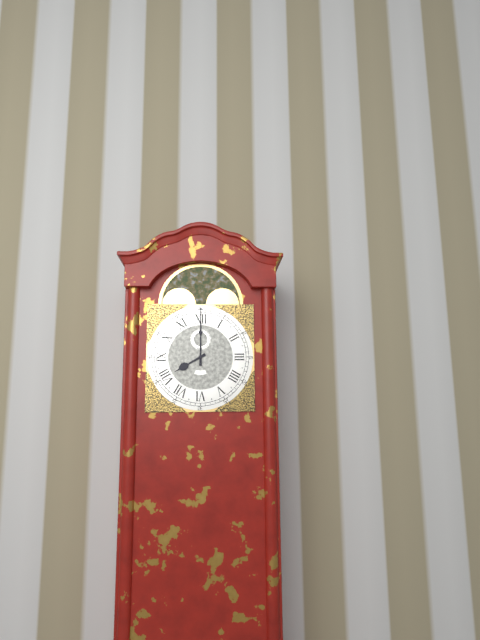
8:00
